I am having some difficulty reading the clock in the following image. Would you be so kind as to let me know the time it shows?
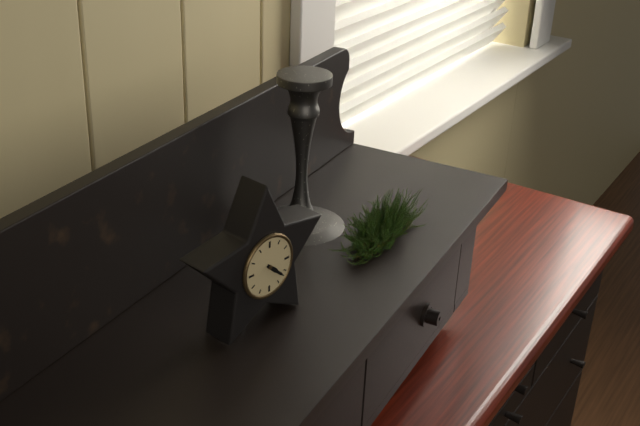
4:22
